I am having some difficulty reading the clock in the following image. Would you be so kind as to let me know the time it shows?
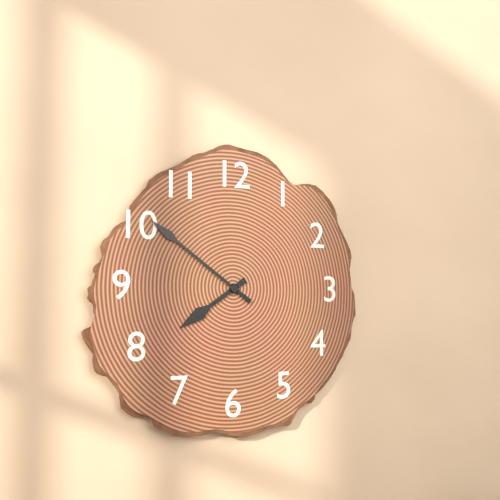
7:51
